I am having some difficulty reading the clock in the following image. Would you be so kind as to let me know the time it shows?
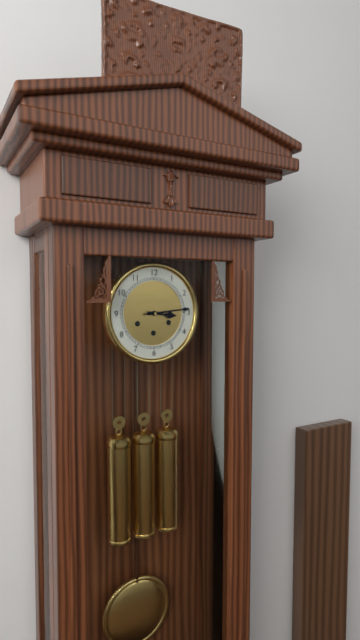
3:14
